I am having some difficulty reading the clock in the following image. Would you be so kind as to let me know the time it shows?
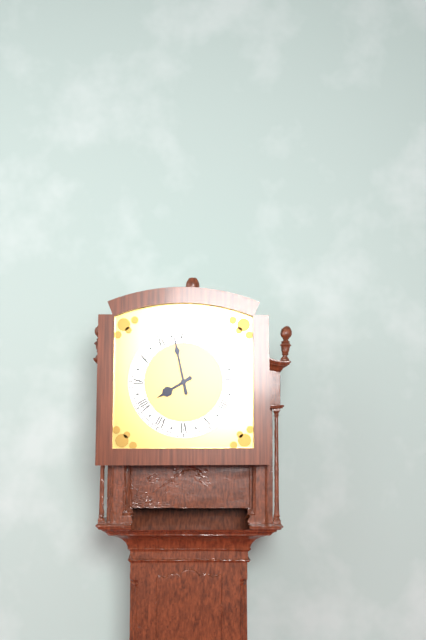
7:58
